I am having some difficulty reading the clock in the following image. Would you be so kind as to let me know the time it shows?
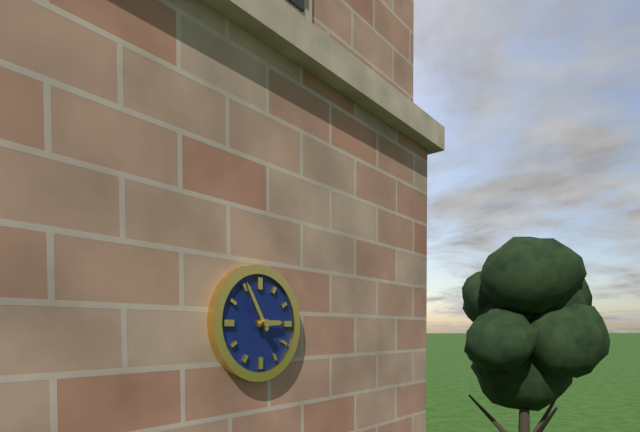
2:55
